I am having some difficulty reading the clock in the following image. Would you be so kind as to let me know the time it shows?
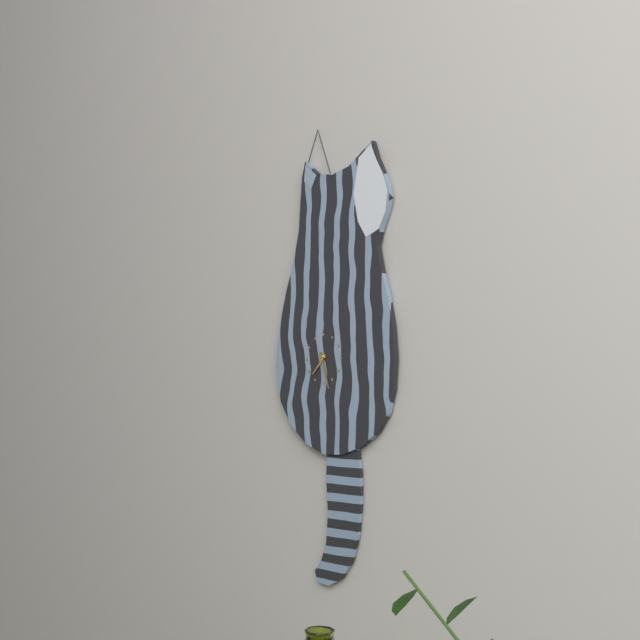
7:27
